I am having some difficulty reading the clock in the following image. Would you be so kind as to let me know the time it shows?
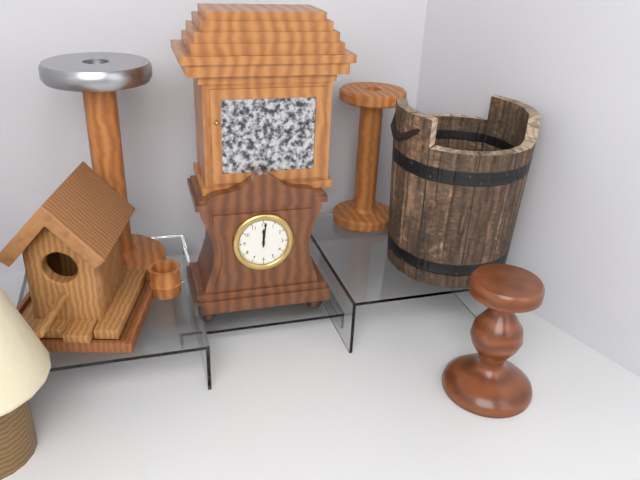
12:01
